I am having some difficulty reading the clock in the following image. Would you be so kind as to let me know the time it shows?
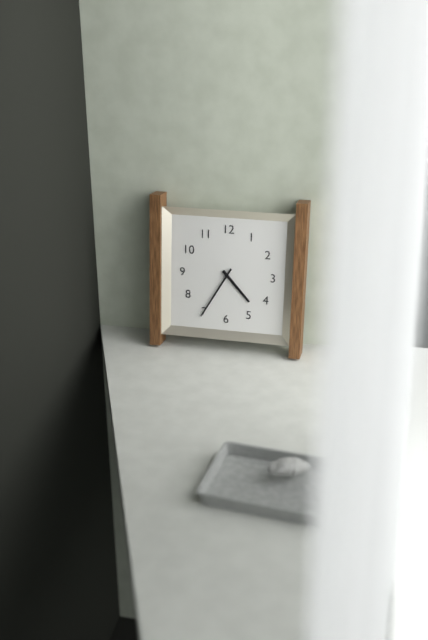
4:35
